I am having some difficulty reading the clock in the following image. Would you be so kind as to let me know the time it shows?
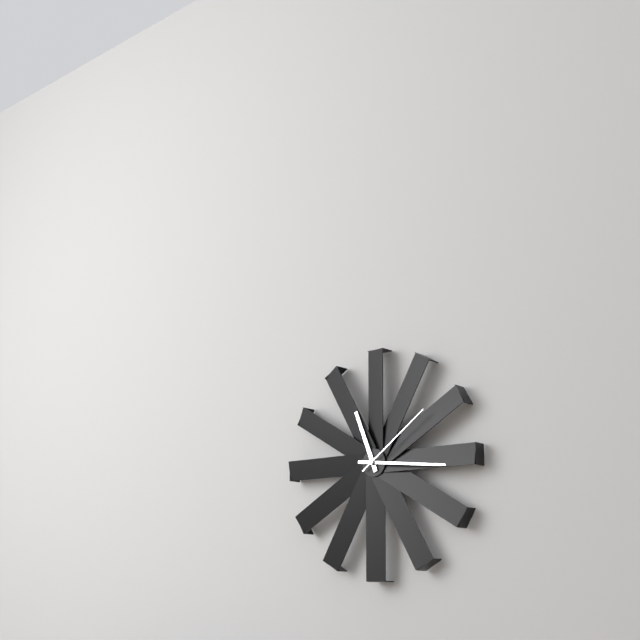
11:16:09
